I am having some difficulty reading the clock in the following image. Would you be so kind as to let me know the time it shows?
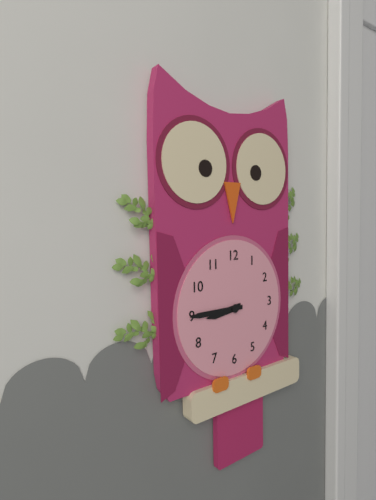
8:45
